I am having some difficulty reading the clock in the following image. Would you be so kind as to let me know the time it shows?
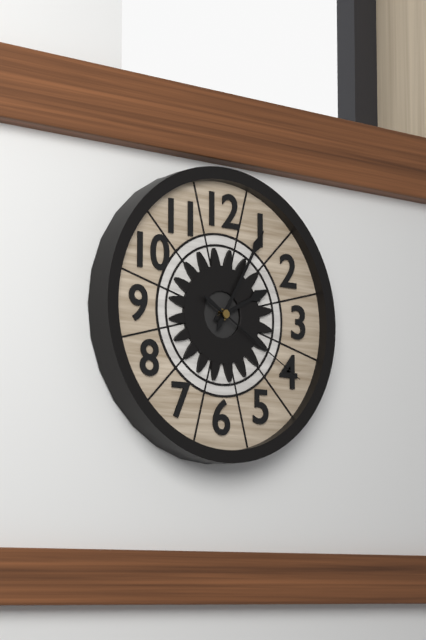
2:05:20
